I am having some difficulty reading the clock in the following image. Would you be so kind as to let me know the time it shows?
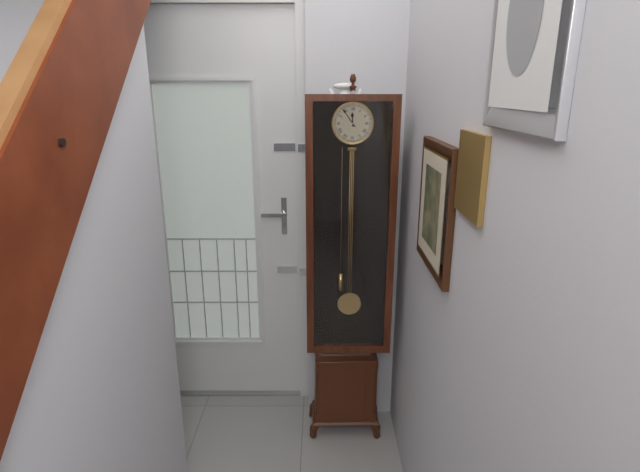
11:54
